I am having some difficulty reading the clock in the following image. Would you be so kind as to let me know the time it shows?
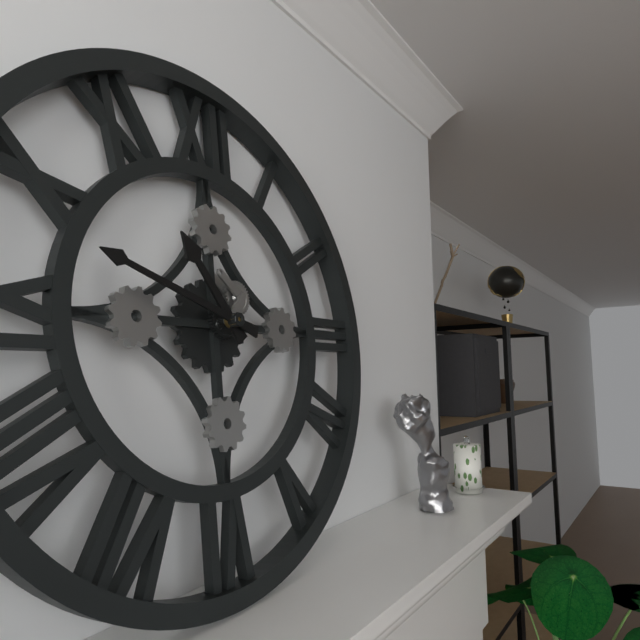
10:48
